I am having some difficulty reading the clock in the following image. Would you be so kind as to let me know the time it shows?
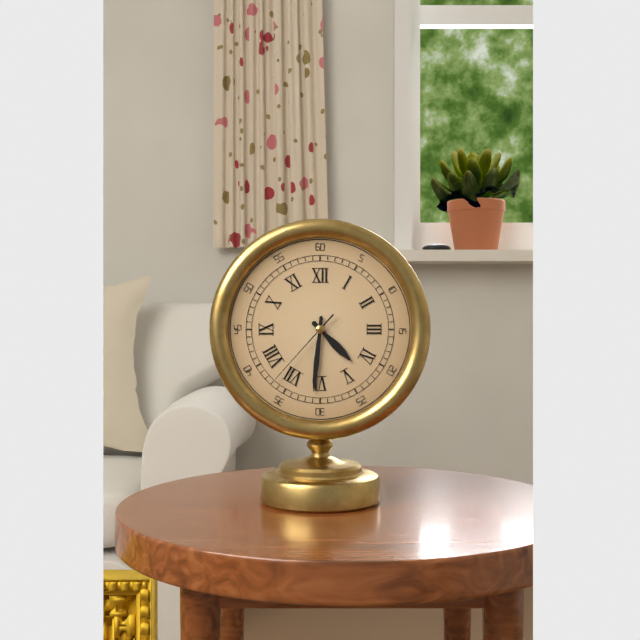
4:31:37
